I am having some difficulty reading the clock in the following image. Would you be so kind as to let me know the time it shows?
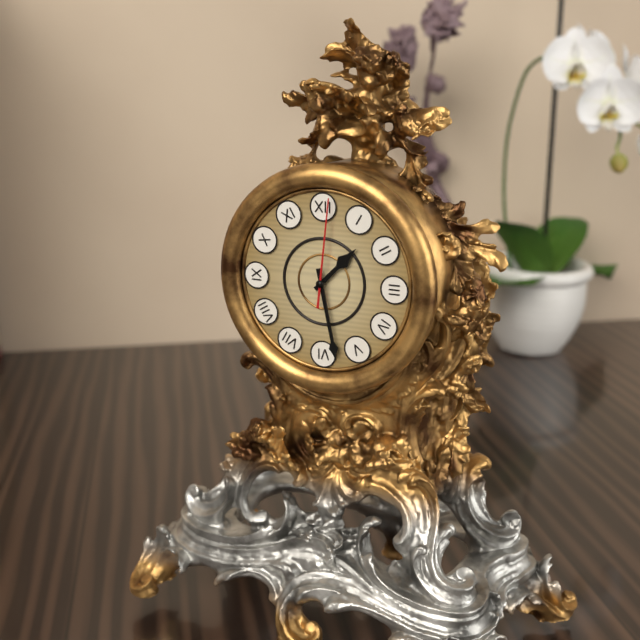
1:28:01
